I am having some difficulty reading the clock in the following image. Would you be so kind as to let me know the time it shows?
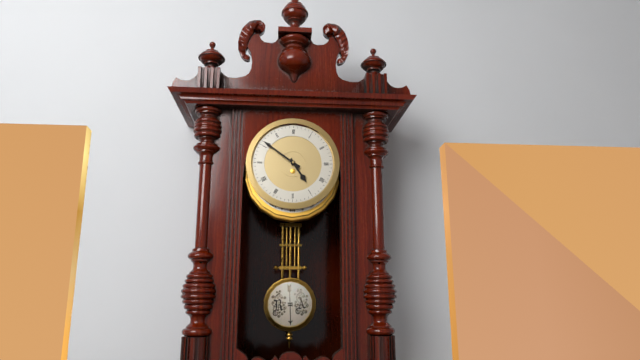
4:51
